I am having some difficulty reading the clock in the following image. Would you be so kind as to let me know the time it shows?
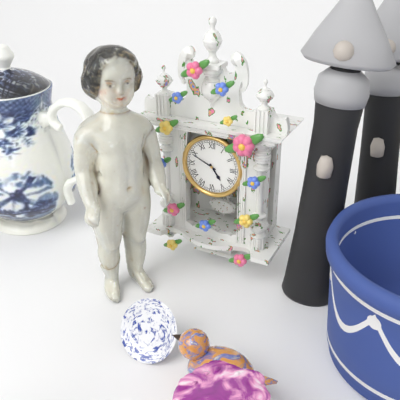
4:49
